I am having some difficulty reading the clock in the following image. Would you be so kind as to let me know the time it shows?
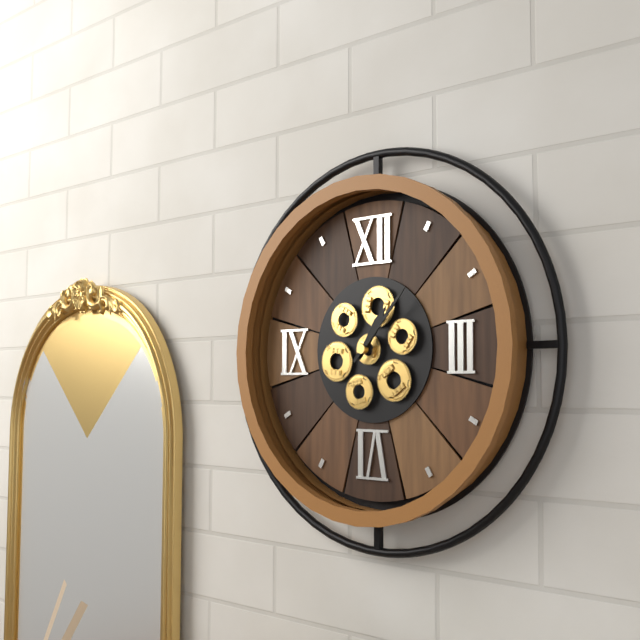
1:07
